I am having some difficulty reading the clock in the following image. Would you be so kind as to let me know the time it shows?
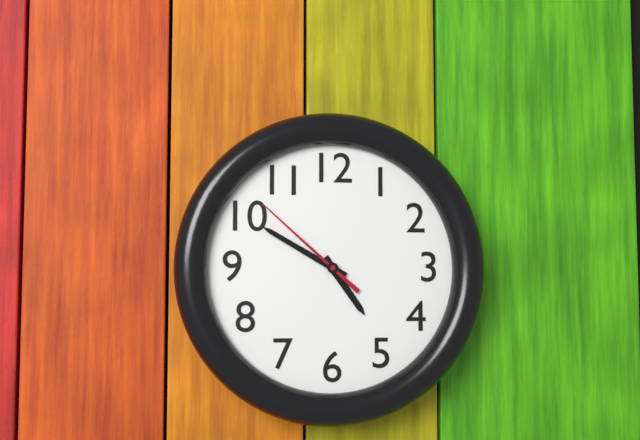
4:50:52
